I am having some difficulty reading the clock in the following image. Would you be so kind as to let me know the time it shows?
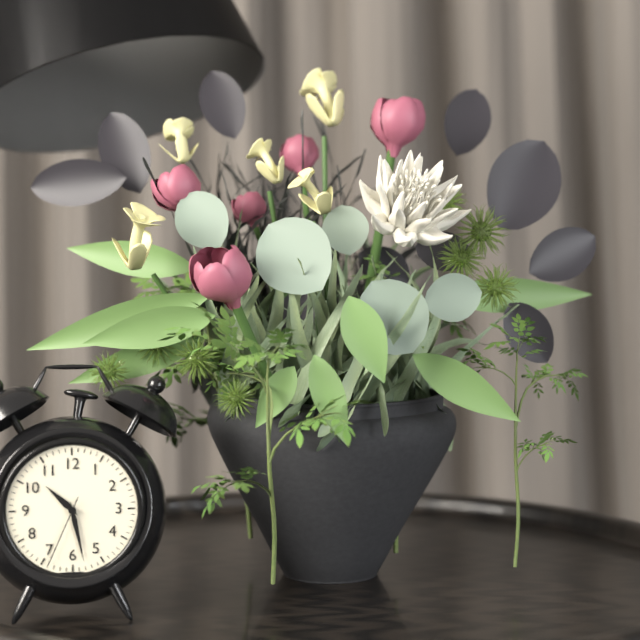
10:28:34
